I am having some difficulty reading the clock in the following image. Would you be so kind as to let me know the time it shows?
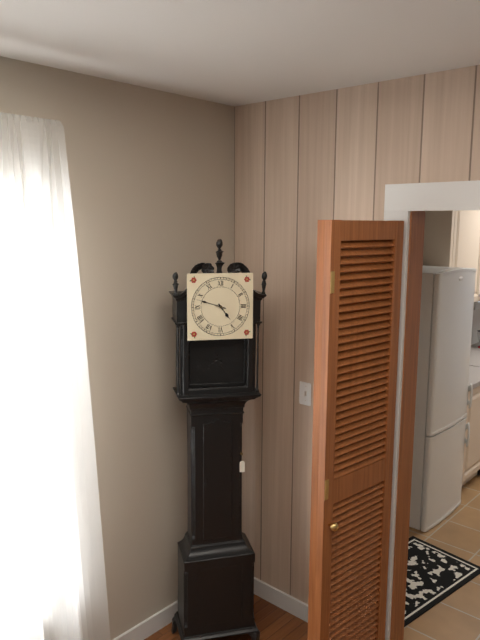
4:48
